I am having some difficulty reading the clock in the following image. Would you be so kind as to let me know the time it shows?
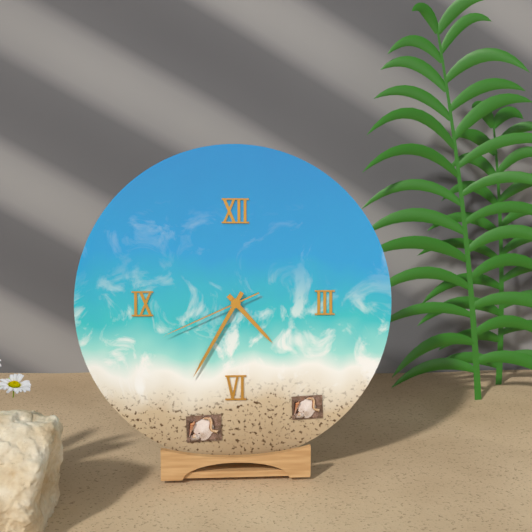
4:35:41
